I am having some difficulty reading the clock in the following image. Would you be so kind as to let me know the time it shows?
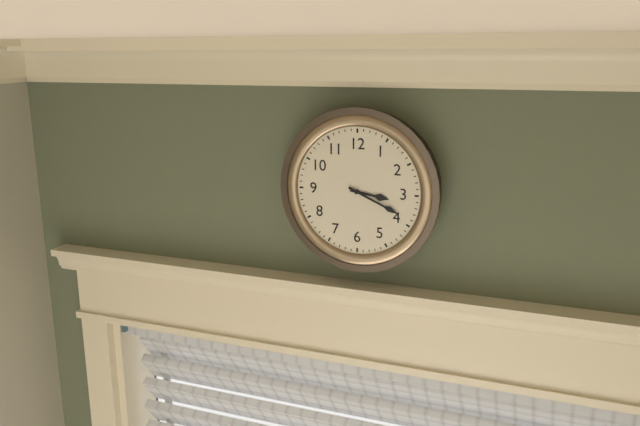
3:19
